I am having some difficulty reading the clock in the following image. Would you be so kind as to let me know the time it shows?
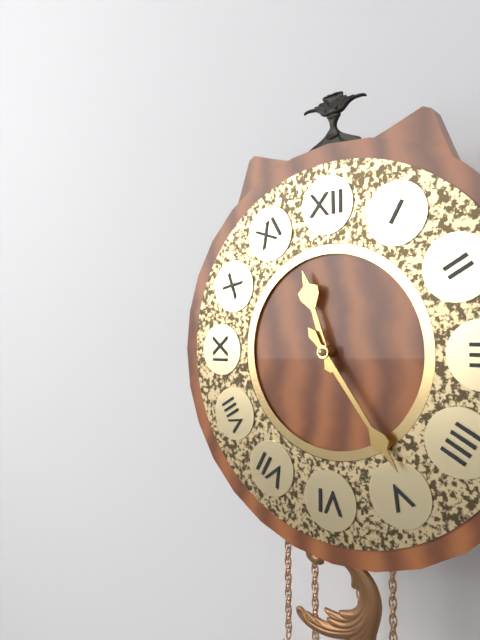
11:24
